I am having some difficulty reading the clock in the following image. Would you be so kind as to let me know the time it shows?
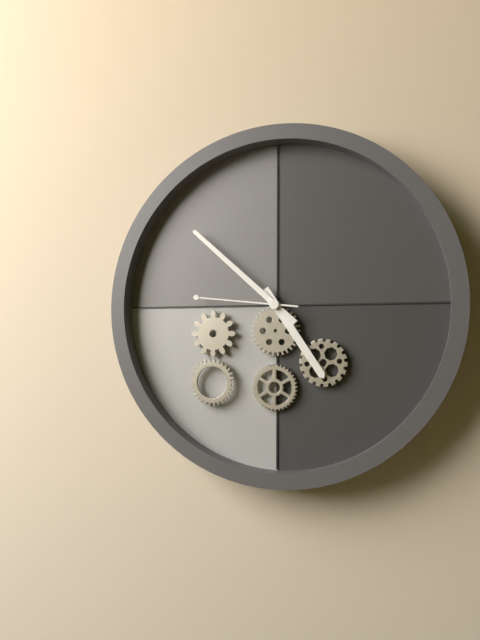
4:52:46
